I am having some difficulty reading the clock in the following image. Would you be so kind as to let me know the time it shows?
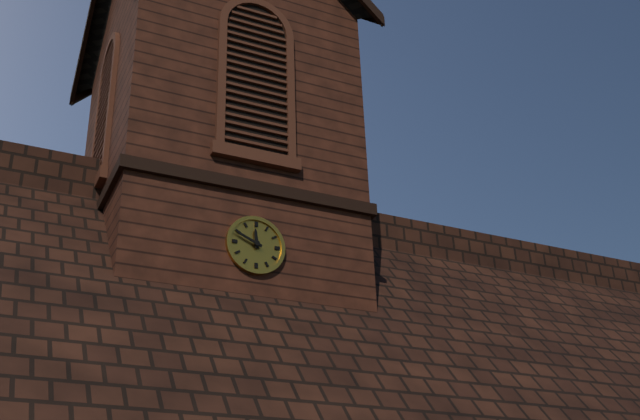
11:49
